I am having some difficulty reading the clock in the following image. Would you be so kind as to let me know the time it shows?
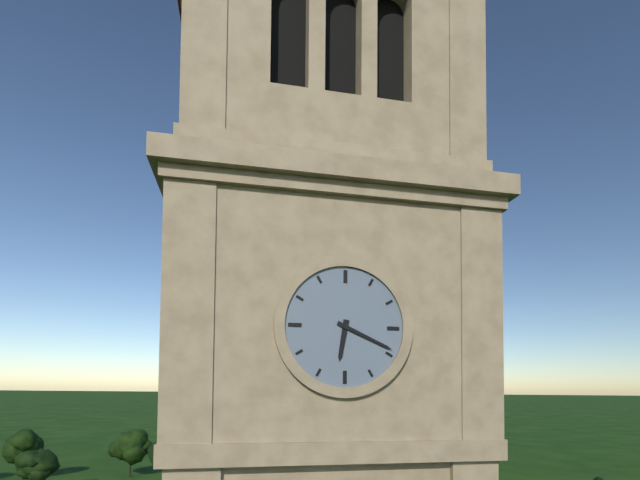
6:19
